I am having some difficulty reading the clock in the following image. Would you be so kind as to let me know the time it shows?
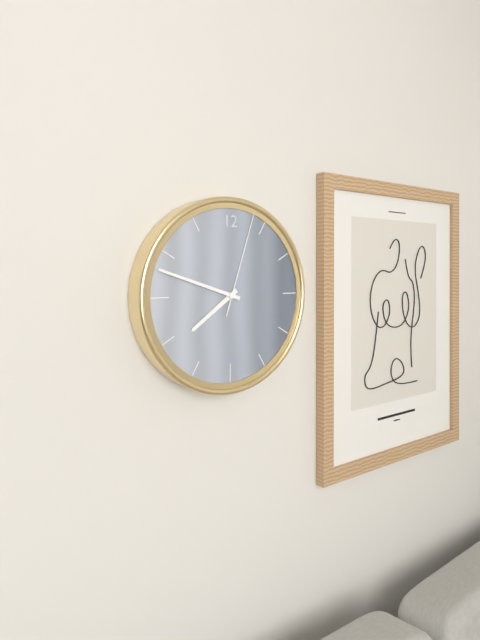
7:48:03
